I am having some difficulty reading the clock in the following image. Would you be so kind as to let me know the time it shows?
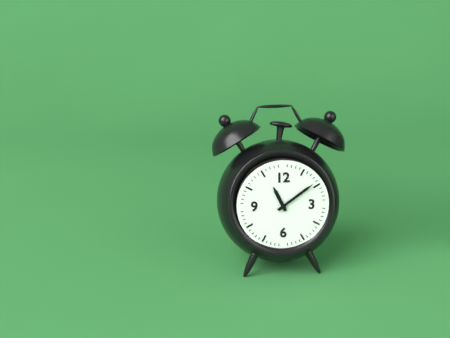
11:09
